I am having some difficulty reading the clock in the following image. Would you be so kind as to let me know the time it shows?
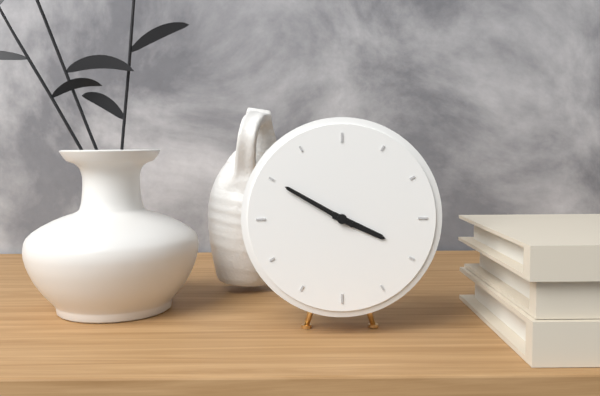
3:50
